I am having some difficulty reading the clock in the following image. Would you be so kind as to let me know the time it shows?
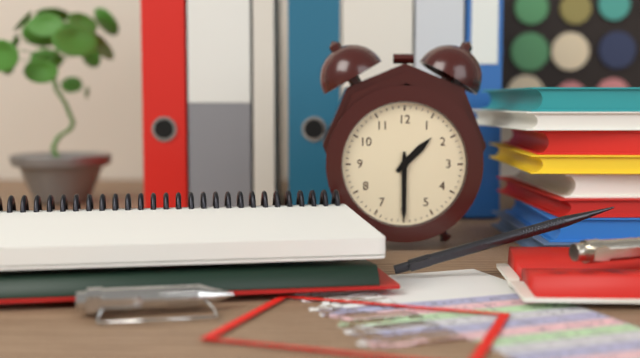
1:30
